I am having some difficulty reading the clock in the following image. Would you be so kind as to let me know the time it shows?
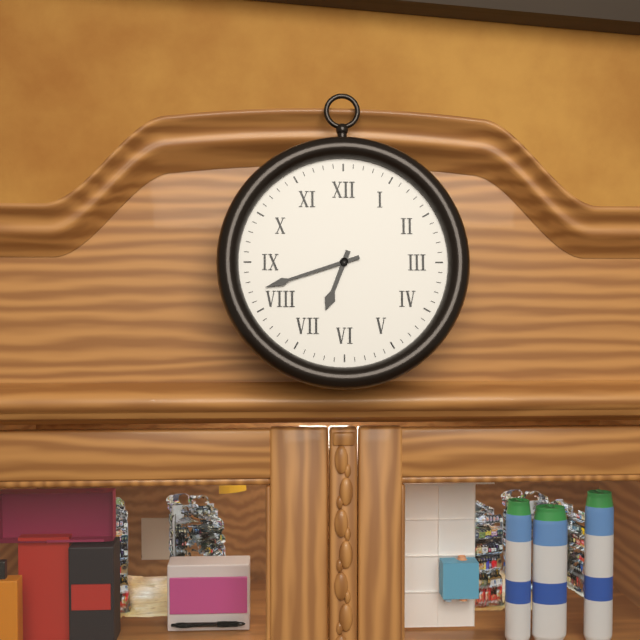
6:42
